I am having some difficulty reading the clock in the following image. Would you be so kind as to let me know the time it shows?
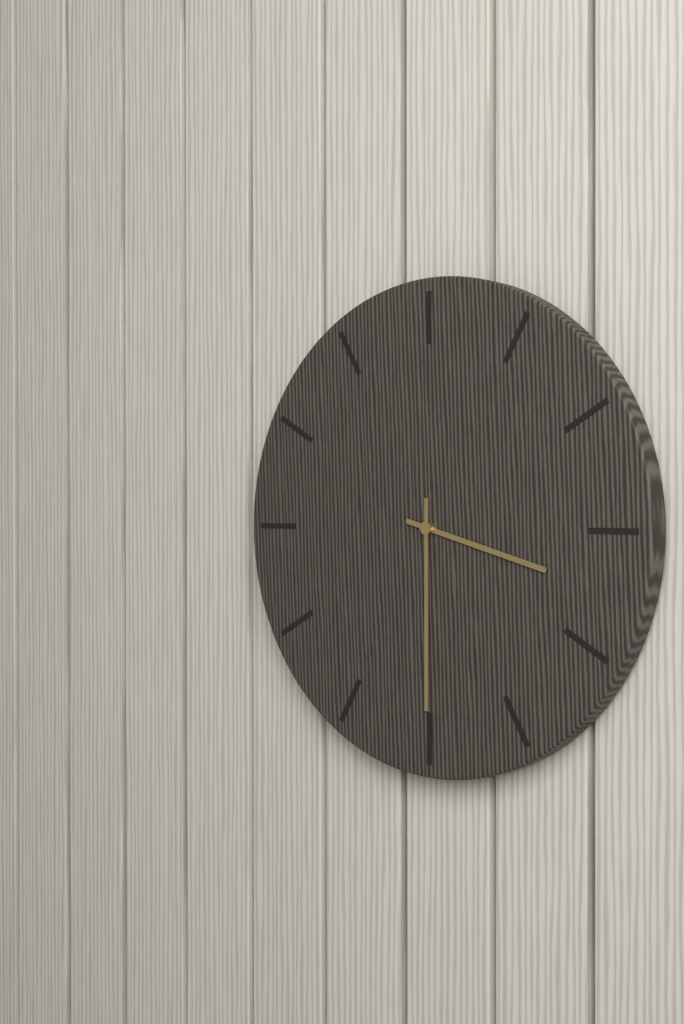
3:30
